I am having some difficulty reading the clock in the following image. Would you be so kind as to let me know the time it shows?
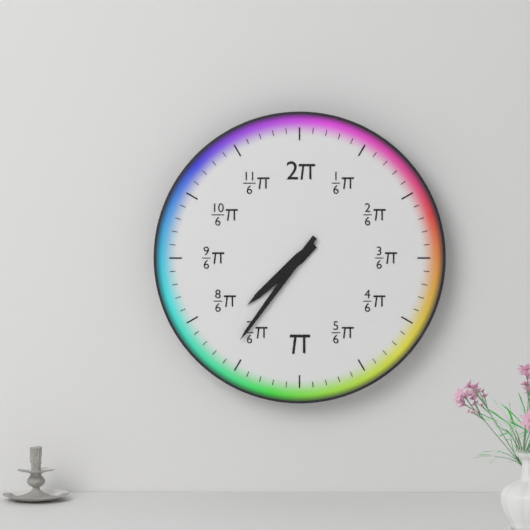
7:36
